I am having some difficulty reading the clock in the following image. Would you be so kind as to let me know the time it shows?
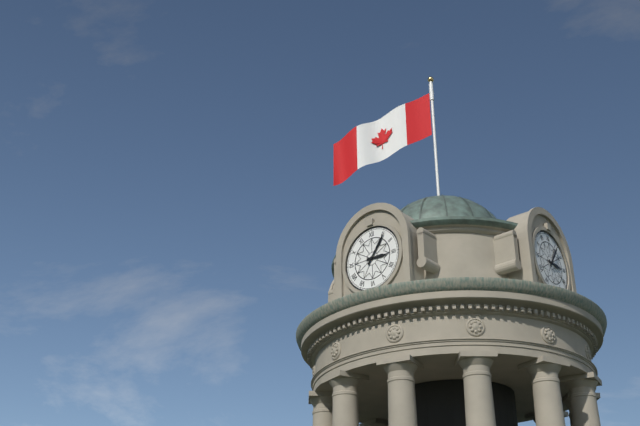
3:06
